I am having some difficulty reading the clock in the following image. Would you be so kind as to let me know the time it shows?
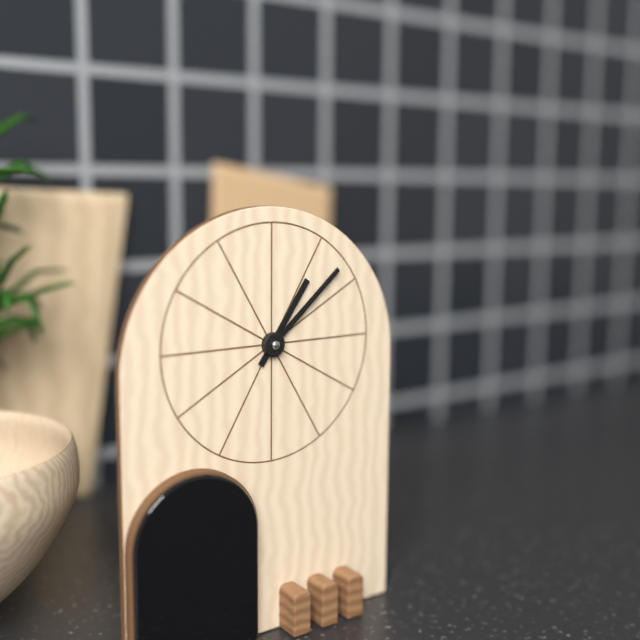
1:08
